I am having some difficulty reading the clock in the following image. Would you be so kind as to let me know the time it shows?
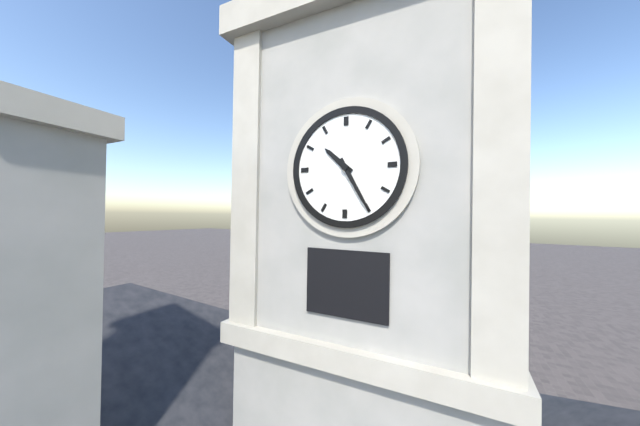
10:25
